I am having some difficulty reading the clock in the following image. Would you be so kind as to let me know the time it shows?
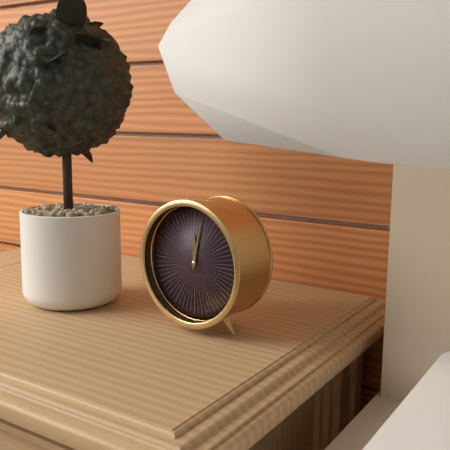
12:02
